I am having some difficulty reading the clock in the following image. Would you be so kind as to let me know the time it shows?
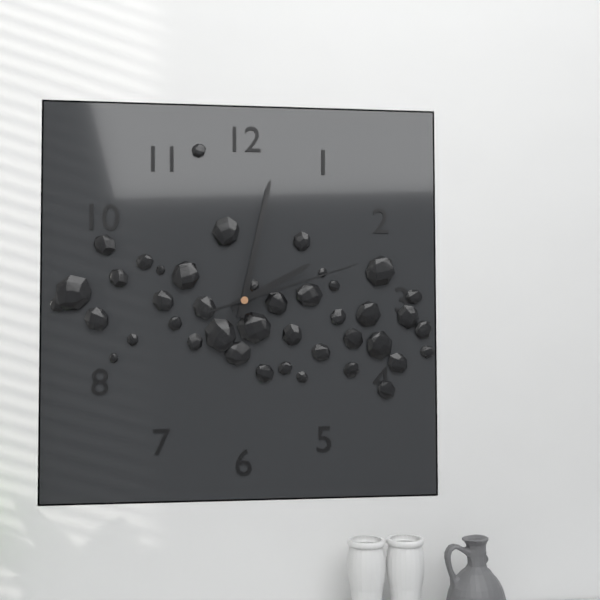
2:02:12
